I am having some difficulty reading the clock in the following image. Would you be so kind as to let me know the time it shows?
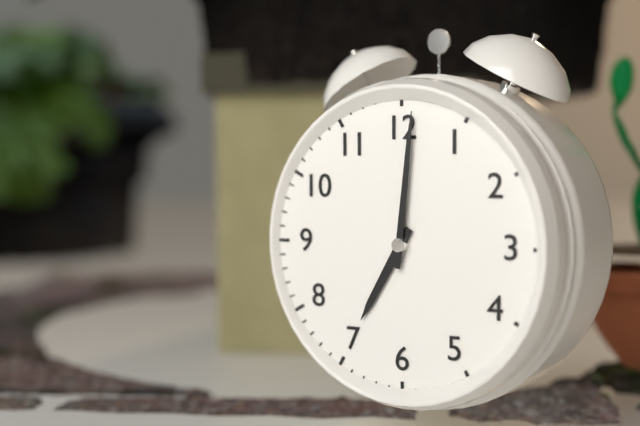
7:01
